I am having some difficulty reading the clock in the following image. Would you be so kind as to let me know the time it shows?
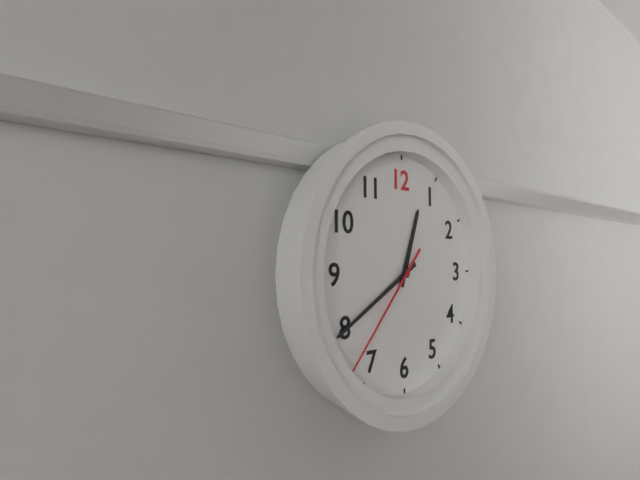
12:40:37
